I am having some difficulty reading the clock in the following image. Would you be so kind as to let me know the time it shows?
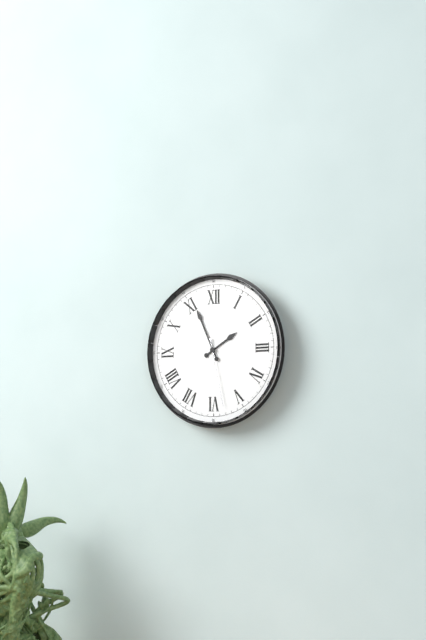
1:56:28
